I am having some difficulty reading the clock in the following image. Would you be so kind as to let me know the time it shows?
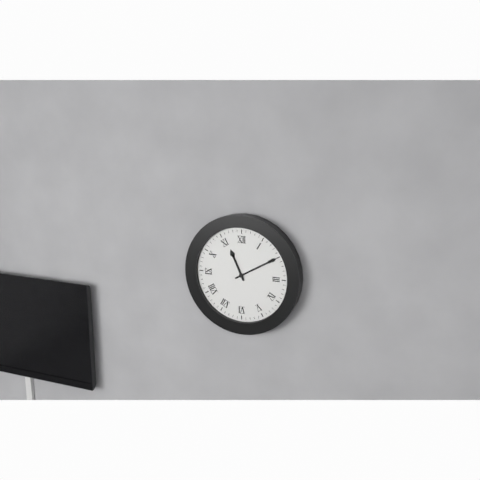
11:10
